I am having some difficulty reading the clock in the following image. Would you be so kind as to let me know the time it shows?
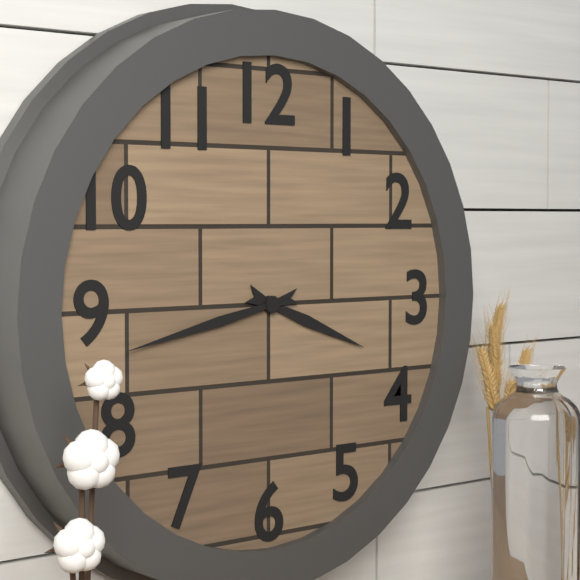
3:43
